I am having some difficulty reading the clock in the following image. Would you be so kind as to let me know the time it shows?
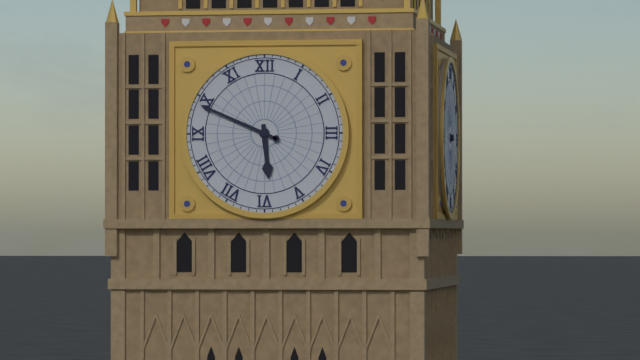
5:49
